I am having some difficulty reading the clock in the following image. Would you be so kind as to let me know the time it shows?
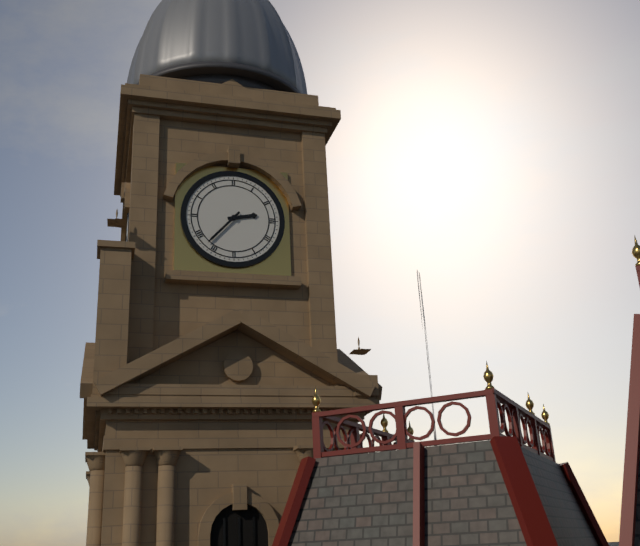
2:37
